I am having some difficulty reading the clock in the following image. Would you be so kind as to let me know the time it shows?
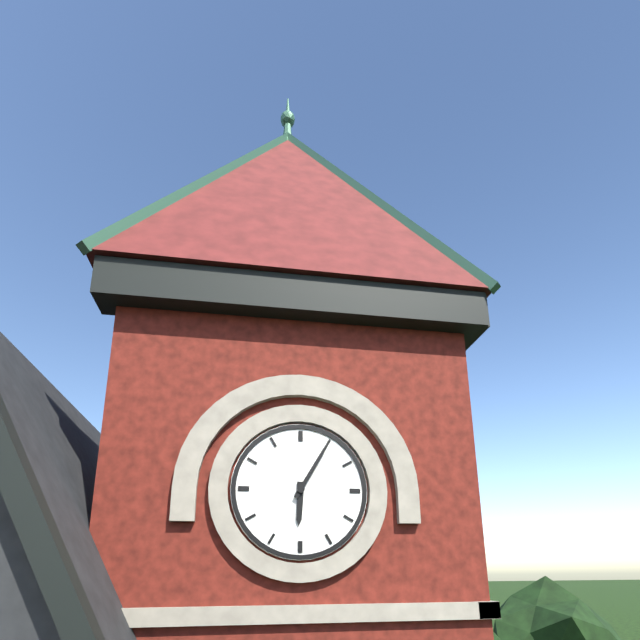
6:05
